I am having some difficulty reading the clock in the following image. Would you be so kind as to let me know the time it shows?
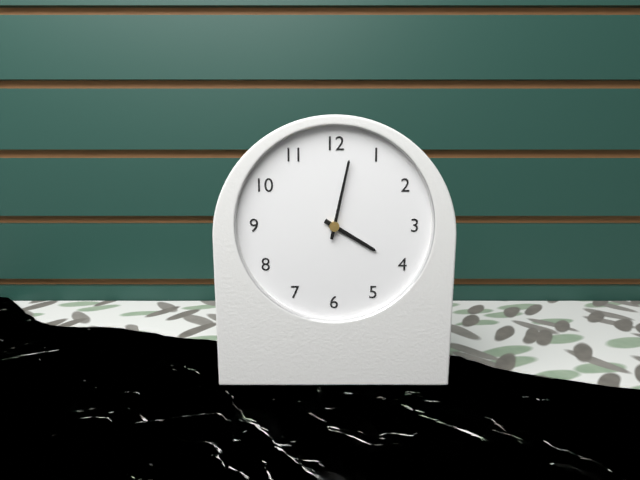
4:02
